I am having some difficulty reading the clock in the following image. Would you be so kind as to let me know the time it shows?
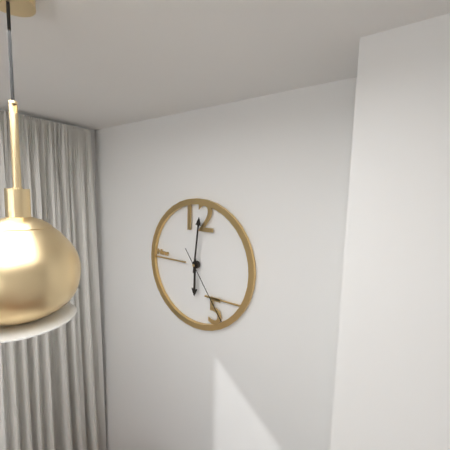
6:01:24
